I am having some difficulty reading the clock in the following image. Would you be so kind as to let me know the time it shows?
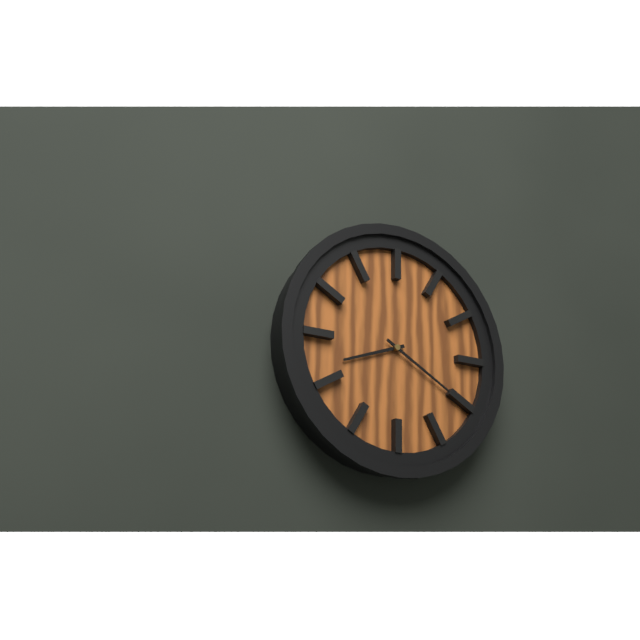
8:20
